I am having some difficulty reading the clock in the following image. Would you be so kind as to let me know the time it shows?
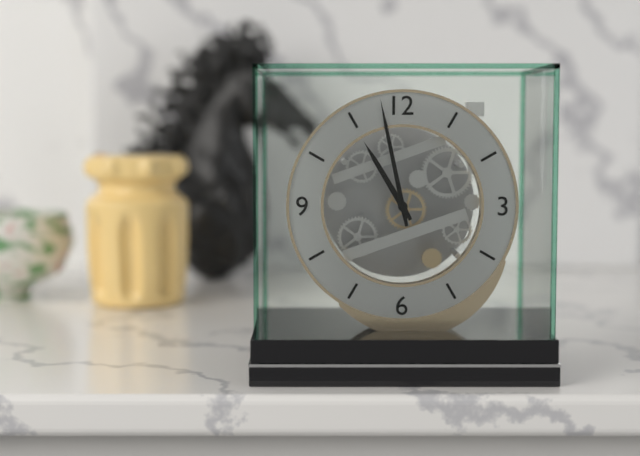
10:58
